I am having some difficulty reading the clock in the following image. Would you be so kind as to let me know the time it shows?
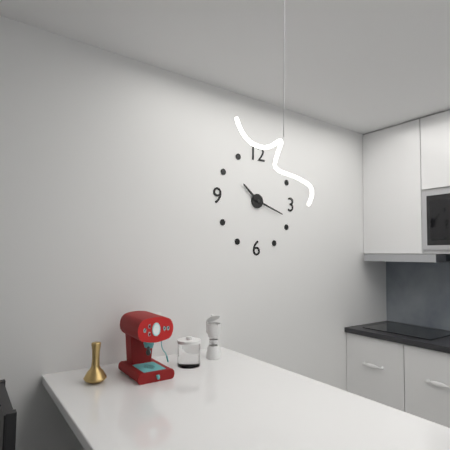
10:18
